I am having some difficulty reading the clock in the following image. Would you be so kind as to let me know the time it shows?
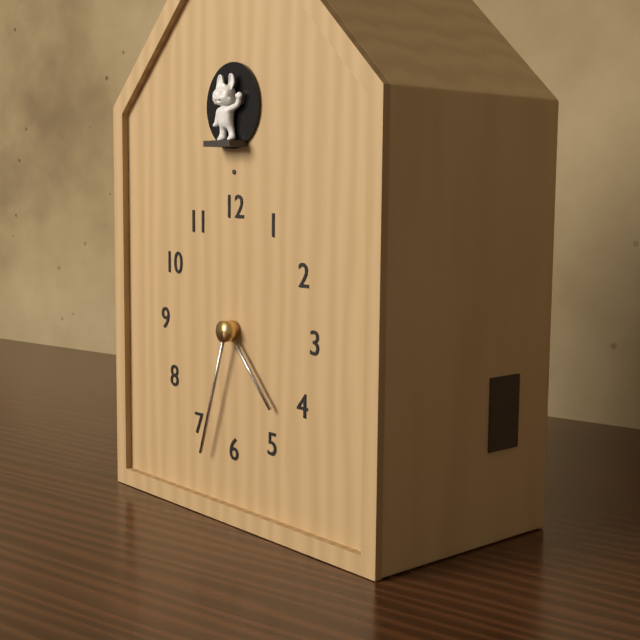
4:33
